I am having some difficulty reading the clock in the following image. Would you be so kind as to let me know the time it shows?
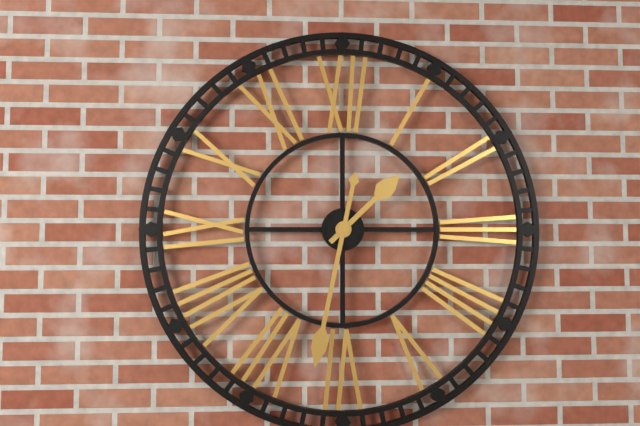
1:32
